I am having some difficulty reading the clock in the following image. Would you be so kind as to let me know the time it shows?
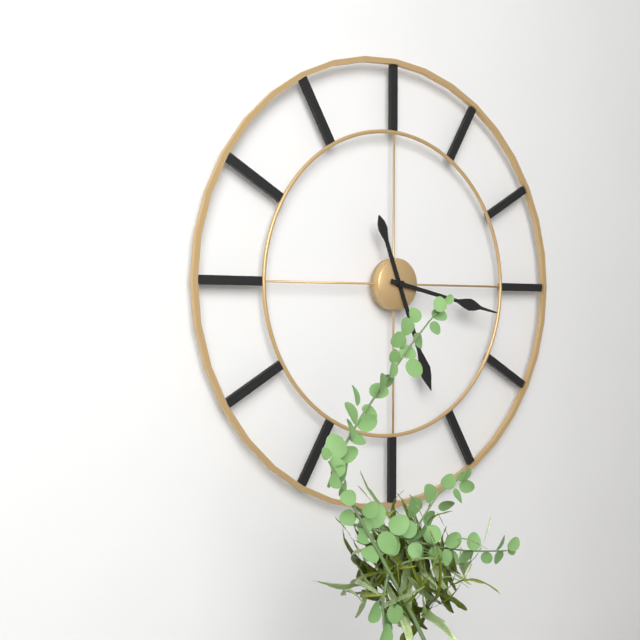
5:17
